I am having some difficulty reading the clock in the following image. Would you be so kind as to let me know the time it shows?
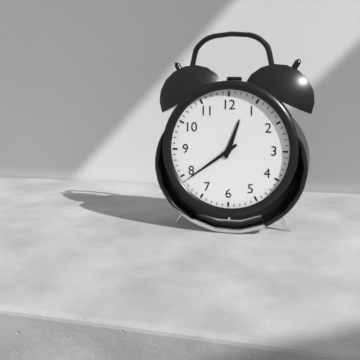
12:39
